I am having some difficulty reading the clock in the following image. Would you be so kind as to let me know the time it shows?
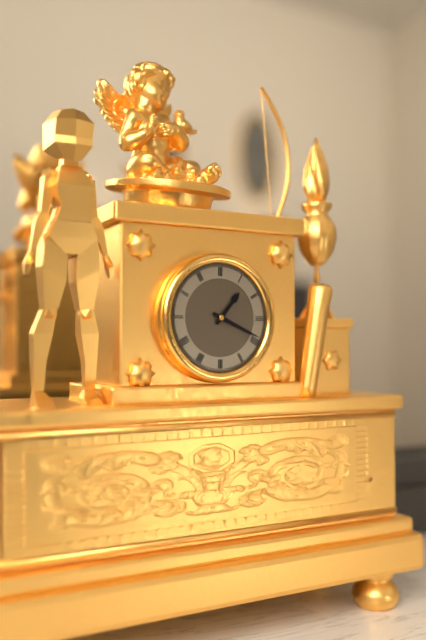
1:19
